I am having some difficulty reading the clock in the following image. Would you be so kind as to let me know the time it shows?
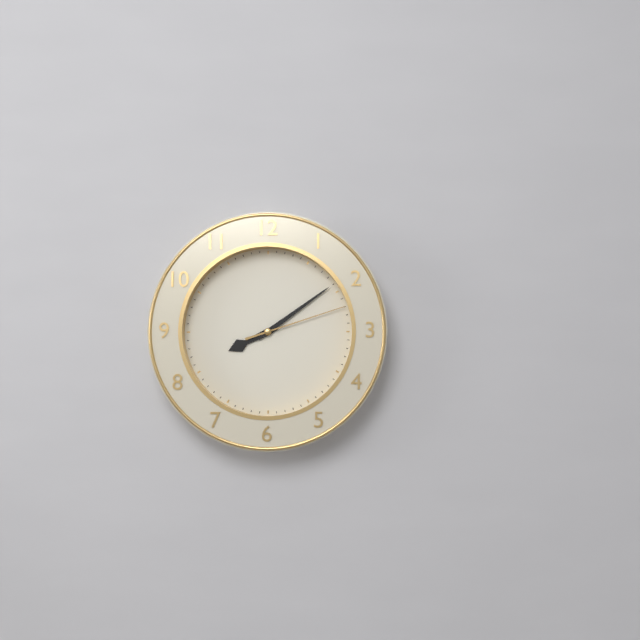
8:09:12
